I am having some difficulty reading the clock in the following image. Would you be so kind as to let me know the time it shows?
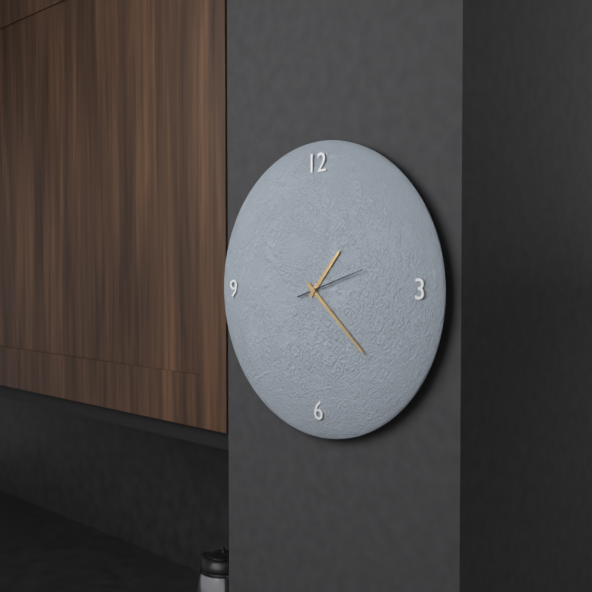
1:22
